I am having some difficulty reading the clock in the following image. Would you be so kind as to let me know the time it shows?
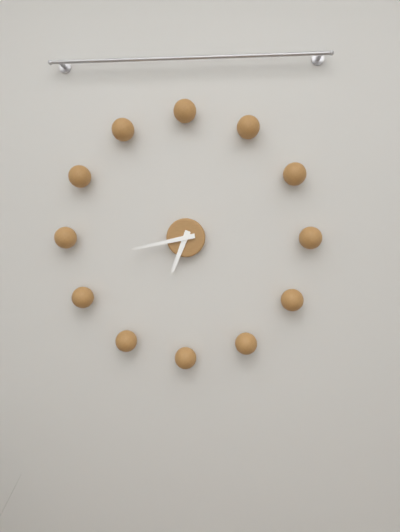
6:43
